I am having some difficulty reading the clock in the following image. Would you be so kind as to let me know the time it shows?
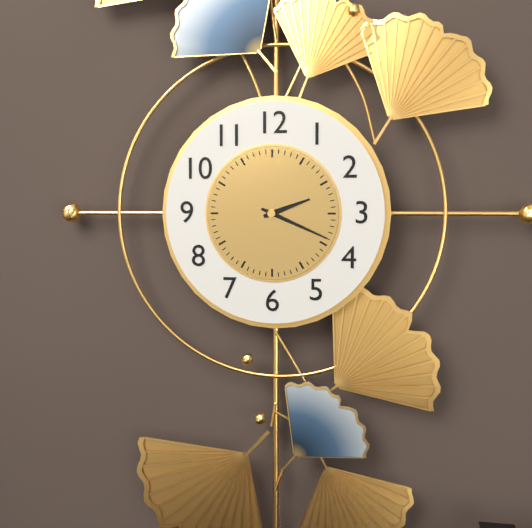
2:19
